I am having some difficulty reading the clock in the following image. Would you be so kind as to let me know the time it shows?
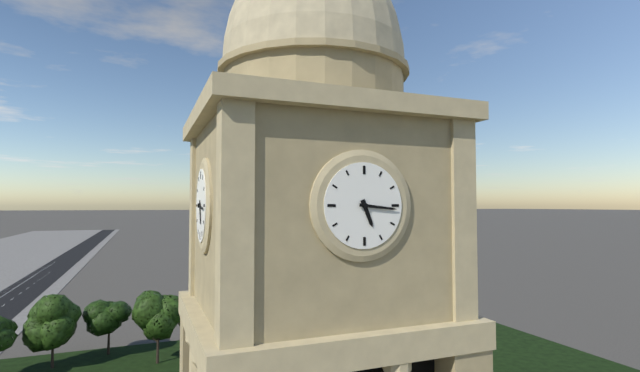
5:16
